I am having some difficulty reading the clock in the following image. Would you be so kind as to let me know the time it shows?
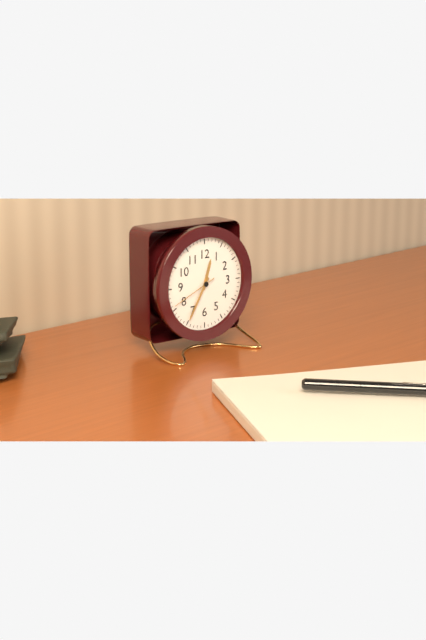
12:35
